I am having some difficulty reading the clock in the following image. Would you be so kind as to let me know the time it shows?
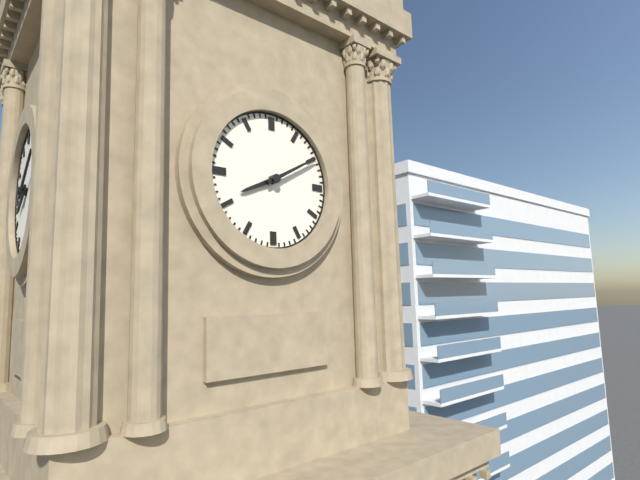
8:10
